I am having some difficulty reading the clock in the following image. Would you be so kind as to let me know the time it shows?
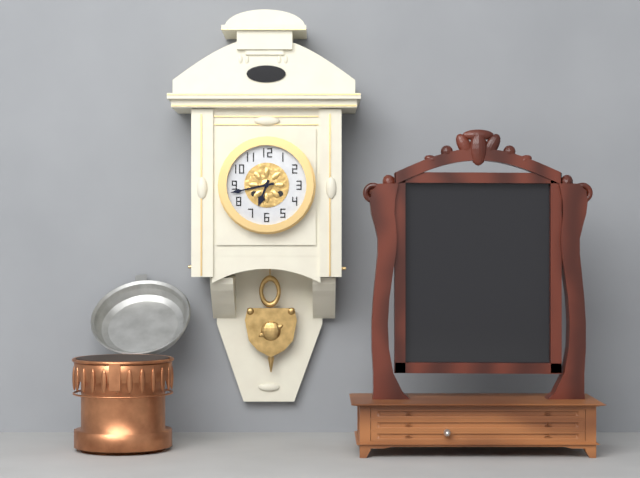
6:43
